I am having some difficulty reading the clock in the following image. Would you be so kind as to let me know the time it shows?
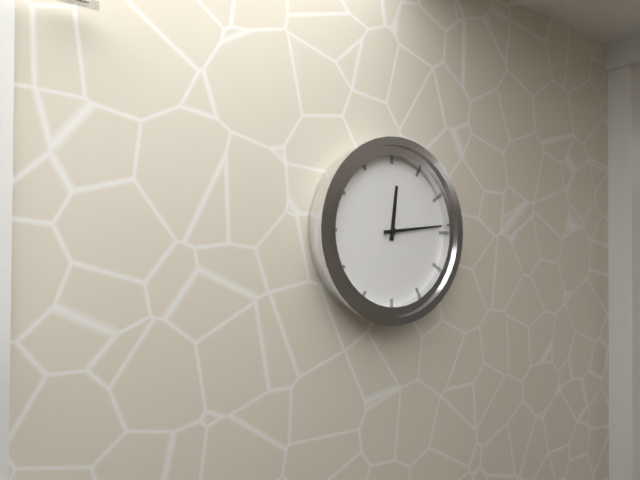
12:14
